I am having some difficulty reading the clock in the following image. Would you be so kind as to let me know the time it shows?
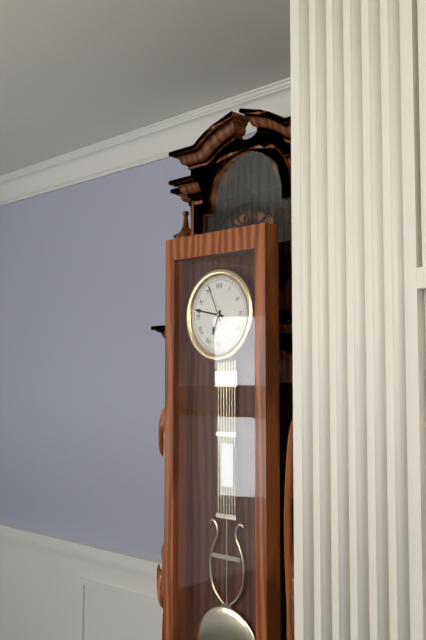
6:47
